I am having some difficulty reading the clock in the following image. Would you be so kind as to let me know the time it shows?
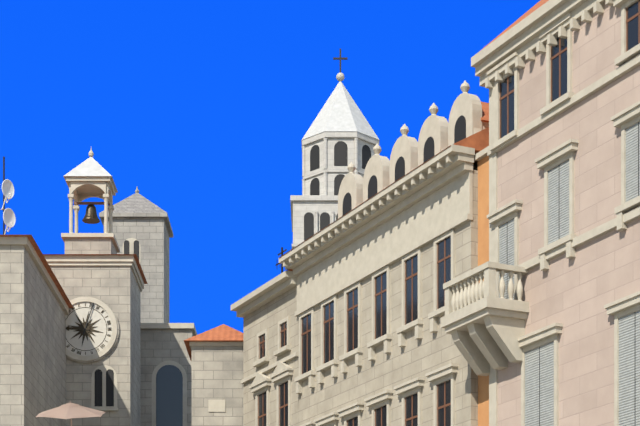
9:03
